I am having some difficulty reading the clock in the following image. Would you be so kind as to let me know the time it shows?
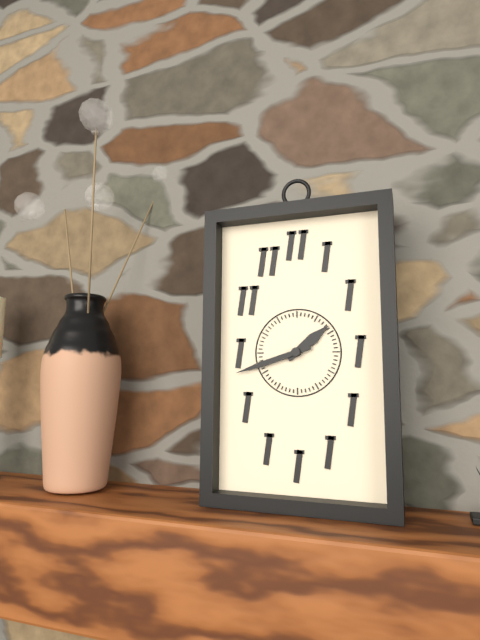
1:42
